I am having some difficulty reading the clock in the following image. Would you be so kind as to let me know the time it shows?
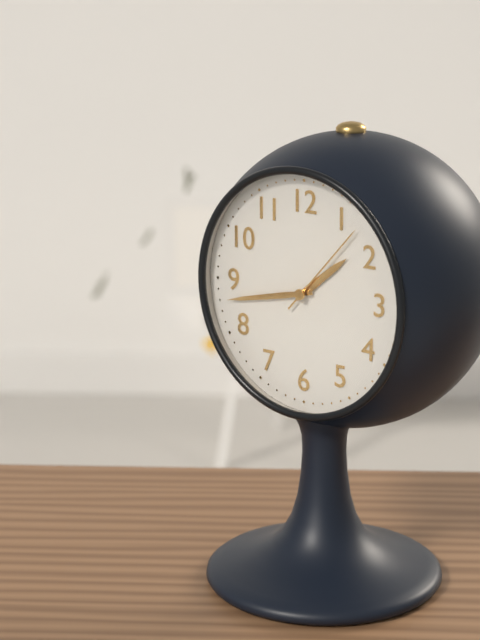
1:43:07
